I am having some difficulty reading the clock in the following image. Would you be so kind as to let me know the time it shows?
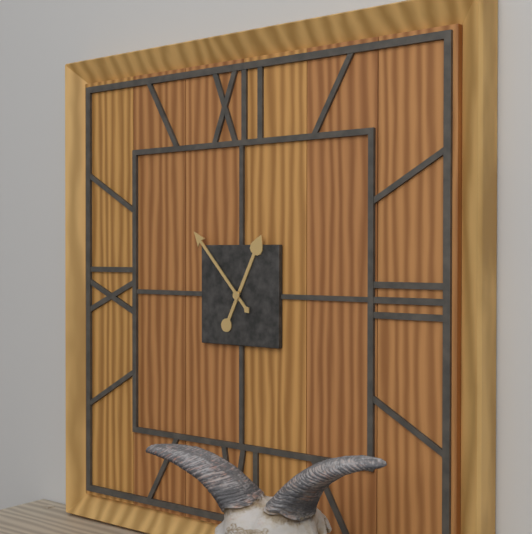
12:53
